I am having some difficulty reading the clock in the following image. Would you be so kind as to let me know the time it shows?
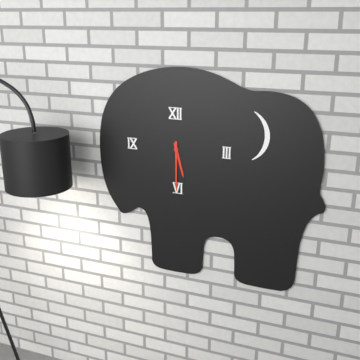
5:30
